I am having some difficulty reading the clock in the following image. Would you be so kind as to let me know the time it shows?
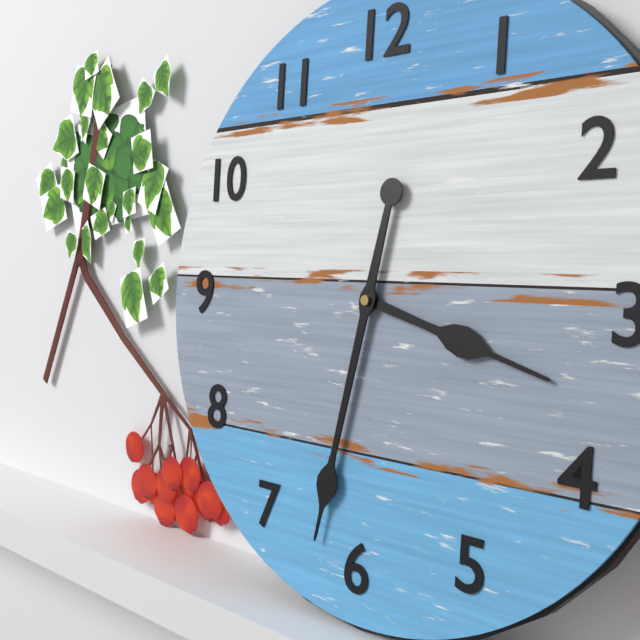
3:32
